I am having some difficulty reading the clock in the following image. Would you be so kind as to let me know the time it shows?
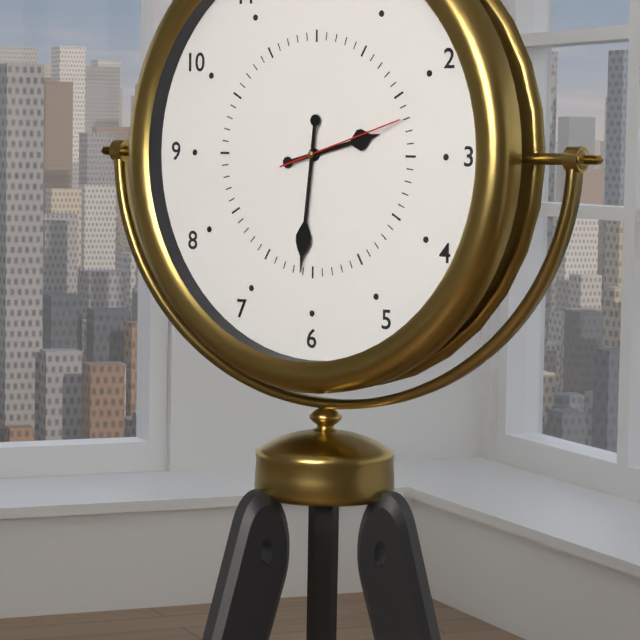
2:31:12
